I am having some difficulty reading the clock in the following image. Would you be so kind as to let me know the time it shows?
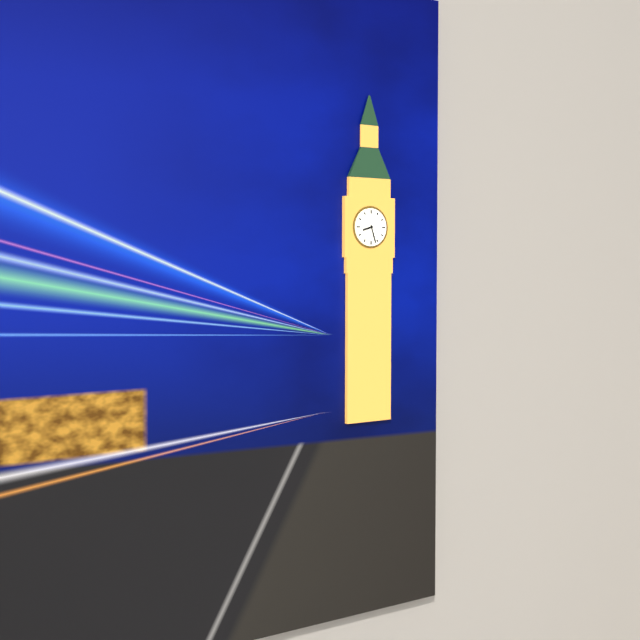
8:27
